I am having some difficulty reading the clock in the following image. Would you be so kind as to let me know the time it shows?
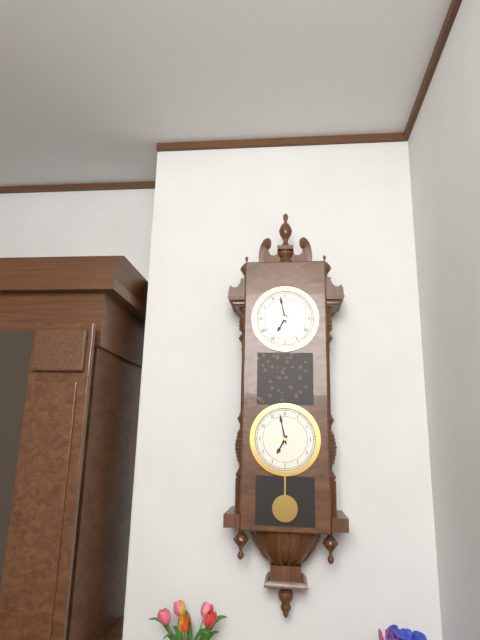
6:58
